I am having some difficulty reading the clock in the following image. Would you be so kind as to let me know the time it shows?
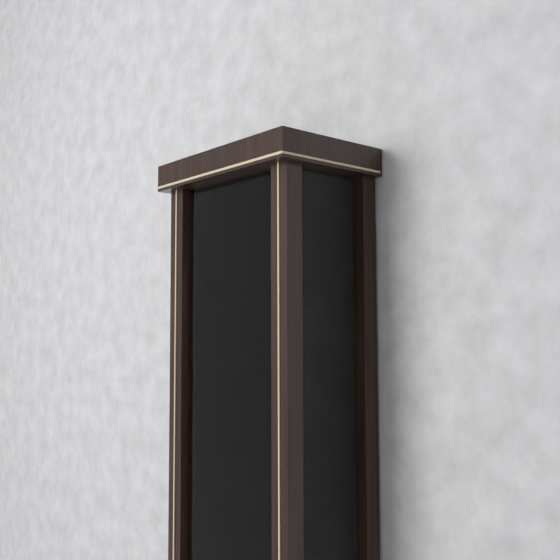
9:35
